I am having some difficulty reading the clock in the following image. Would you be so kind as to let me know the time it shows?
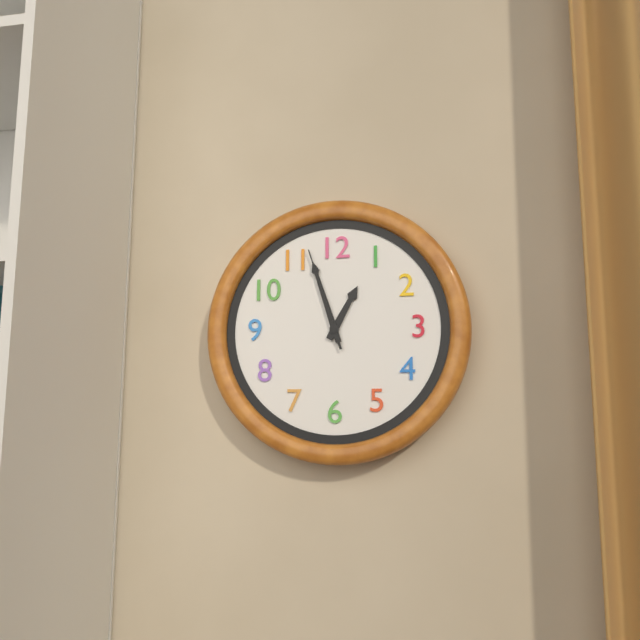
12:57:57
